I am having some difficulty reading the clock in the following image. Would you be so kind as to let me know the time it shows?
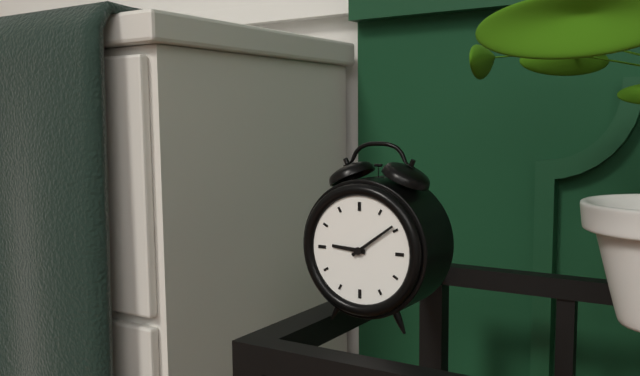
9:09
